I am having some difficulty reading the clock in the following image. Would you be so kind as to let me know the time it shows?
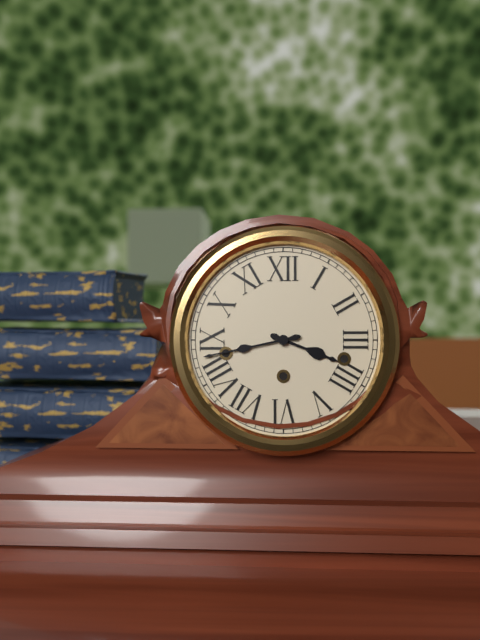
3:43
